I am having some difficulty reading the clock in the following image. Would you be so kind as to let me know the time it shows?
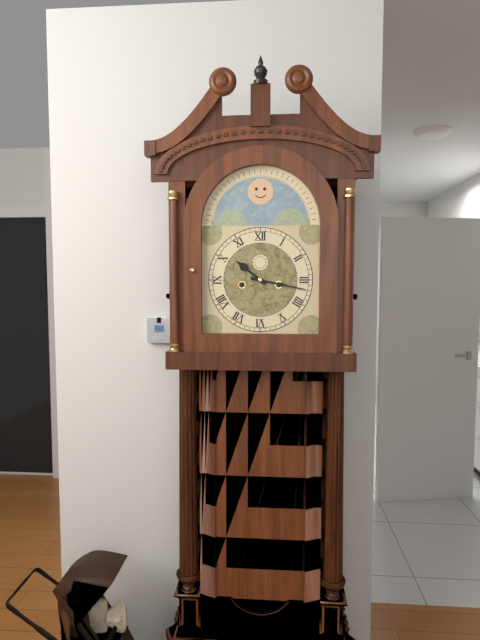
10:17
